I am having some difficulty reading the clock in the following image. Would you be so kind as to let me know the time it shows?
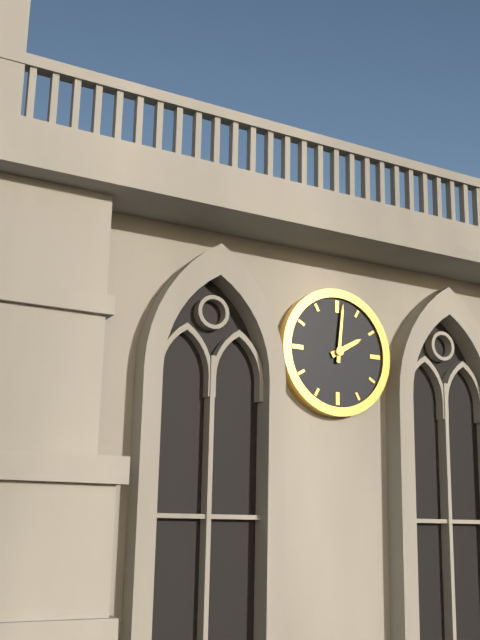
2:01
